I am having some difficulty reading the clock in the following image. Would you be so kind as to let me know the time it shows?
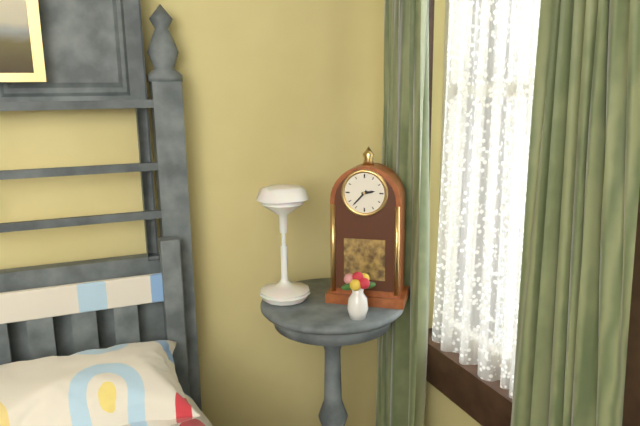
2:37
